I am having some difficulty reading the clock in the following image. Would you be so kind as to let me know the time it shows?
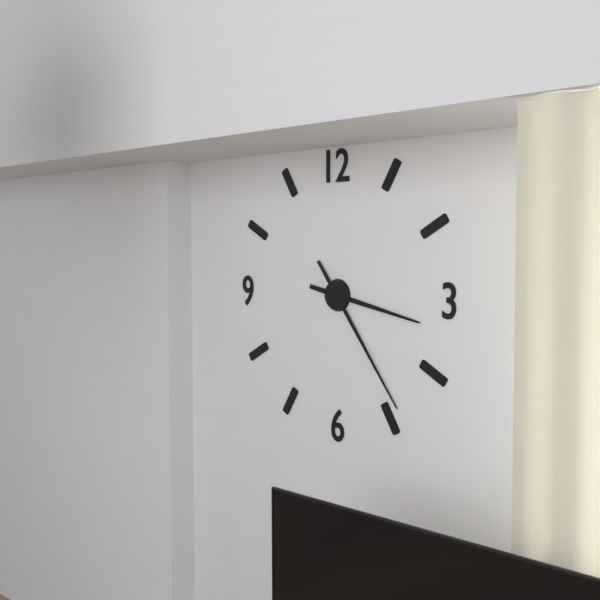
3:24
